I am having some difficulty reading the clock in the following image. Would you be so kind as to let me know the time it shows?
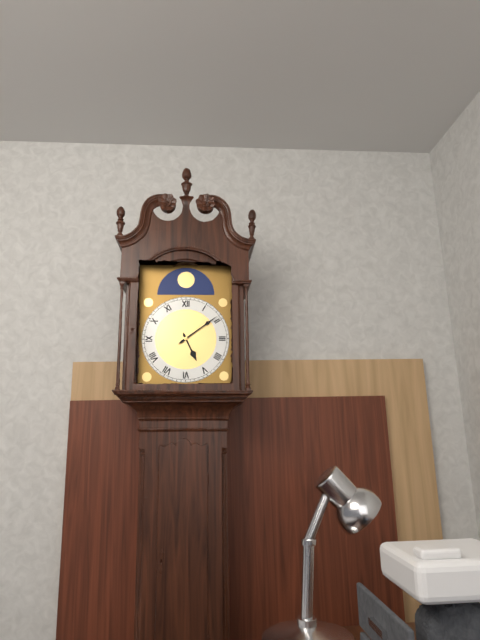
5:09
